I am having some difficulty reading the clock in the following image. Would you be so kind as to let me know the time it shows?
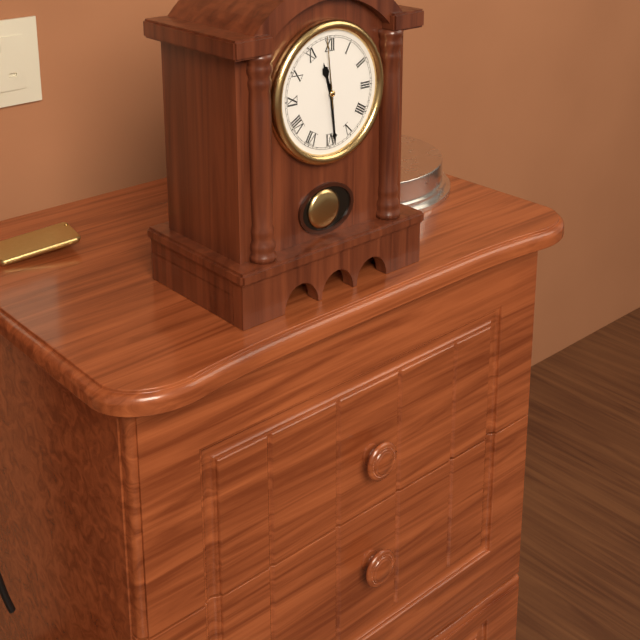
11:29:59
